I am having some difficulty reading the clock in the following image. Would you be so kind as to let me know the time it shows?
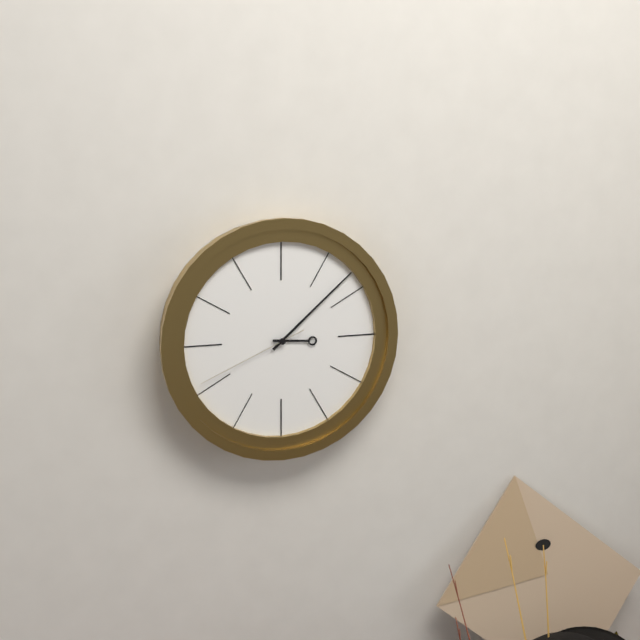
3:08:41
